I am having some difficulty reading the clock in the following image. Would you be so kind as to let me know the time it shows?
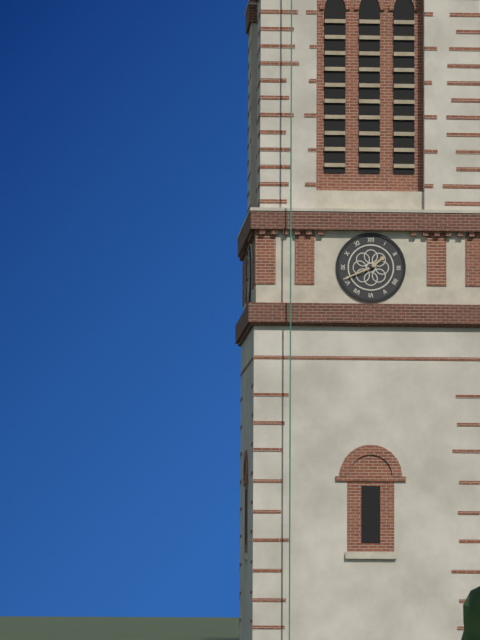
1:41
